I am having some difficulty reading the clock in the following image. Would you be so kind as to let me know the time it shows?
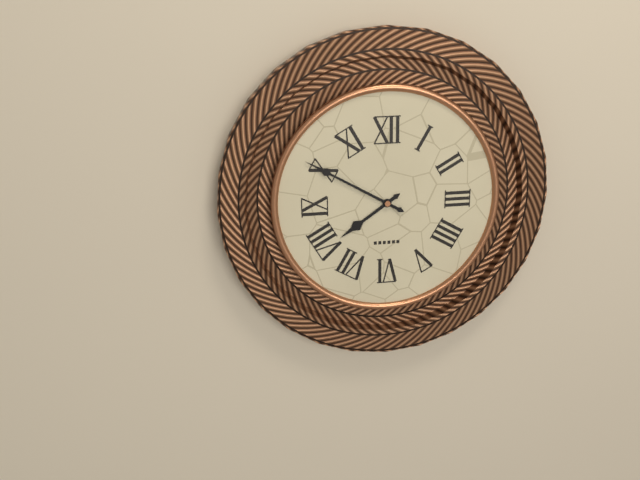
7:50
